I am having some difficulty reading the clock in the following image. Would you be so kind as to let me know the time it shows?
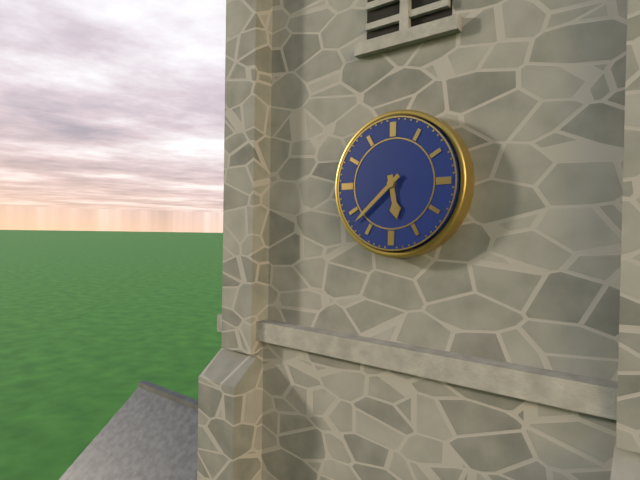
5:38
